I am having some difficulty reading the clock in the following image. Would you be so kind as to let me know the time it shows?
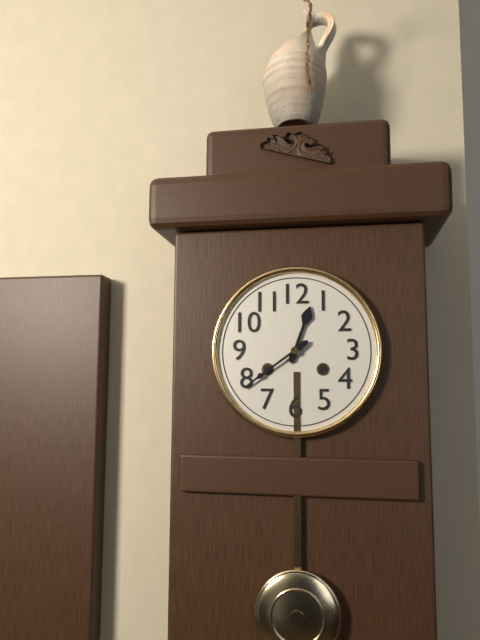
12:39
